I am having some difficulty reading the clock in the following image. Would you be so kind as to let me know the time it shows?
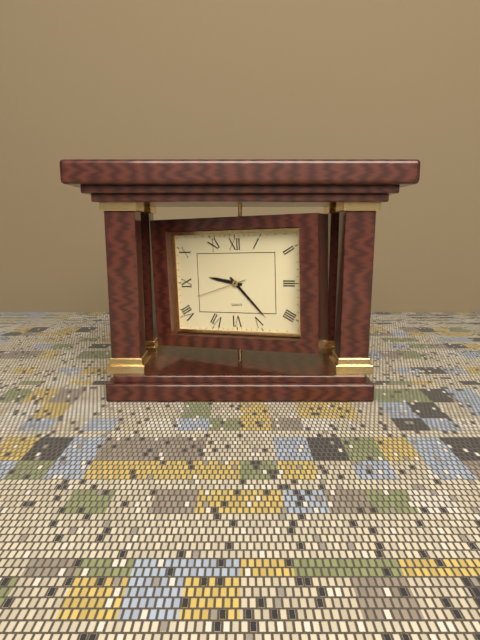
9:23
